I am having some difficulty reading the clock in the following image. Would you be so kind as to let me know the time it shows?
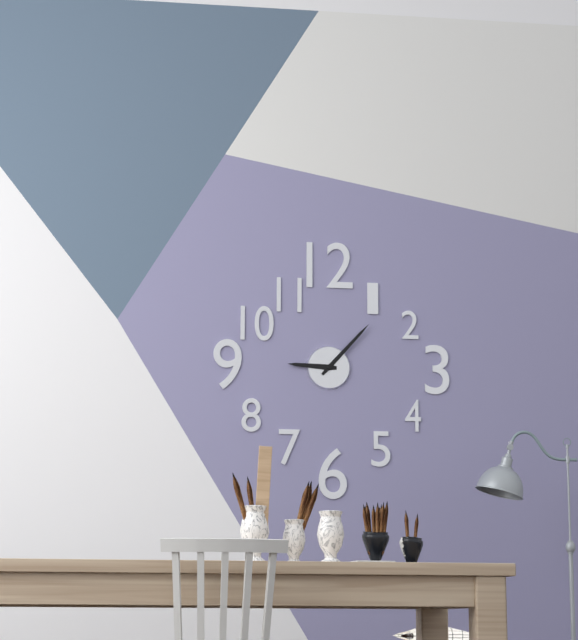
9:07
